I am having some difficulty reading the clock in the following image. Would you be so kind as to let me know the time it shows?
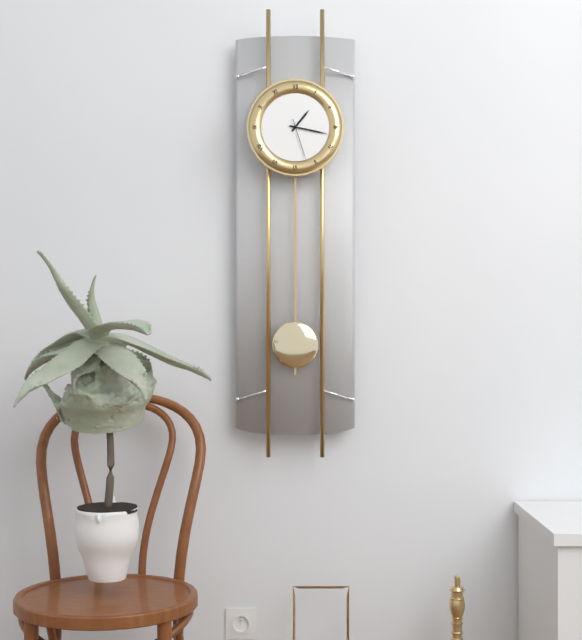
1:17
